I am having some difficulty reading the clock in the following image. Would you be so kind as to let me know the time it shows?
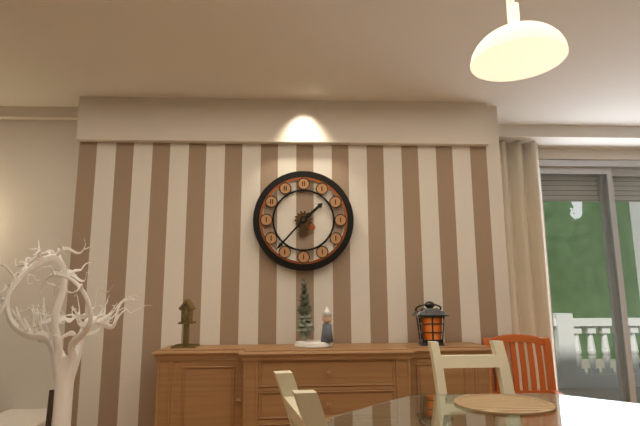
1:37
